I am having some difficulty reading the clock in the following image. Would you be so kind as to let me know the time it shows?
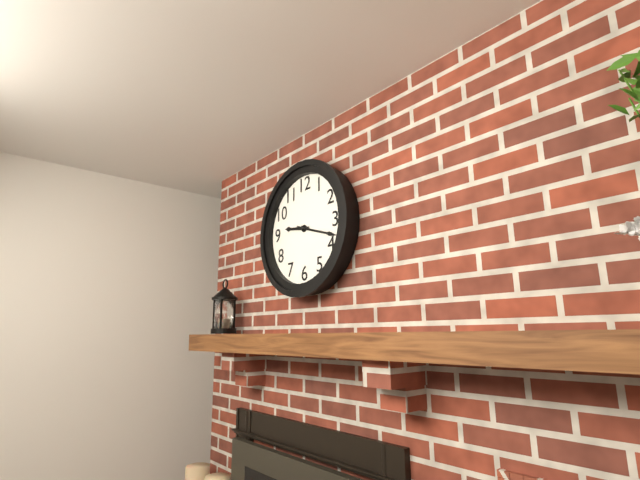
9:18
